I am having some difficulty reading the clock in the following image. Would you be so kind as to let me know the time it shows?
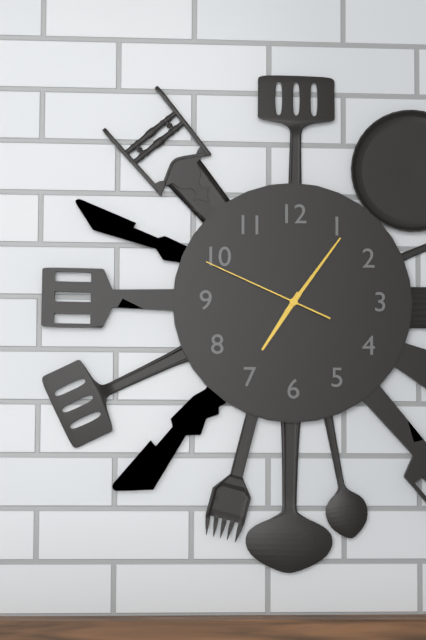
7:06:49
